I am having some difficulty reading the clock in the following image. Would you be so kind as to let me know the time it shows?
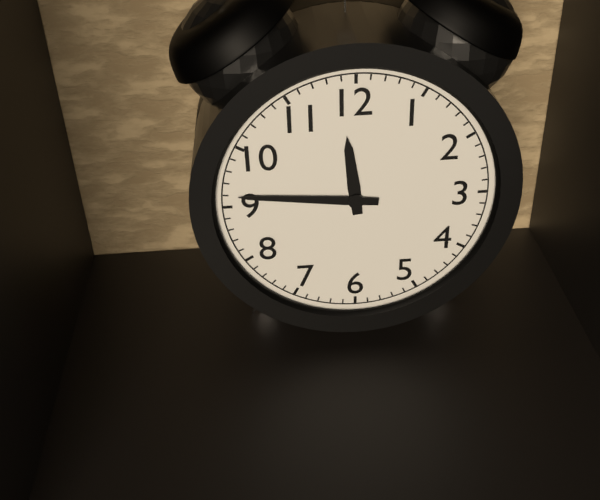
11:46
